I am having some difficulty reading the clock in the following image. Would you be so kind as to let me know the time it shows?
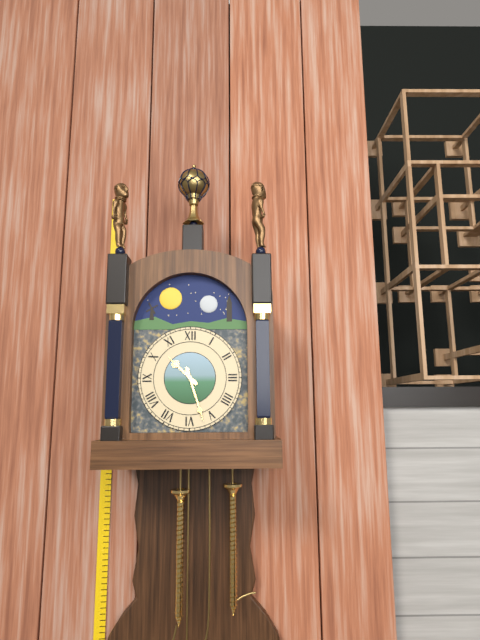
10:27
